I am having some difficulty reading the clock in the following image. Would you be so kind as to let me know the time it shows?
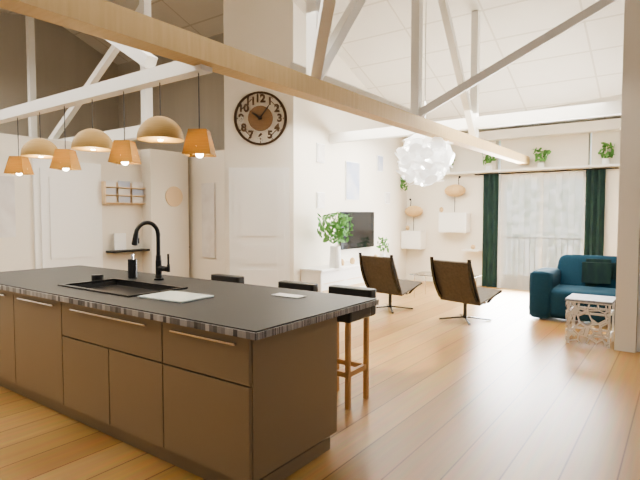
10:06
